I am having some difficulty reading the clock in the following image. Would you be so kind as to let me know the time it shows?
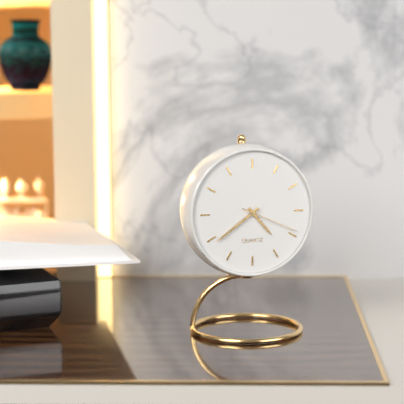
4:39:19
